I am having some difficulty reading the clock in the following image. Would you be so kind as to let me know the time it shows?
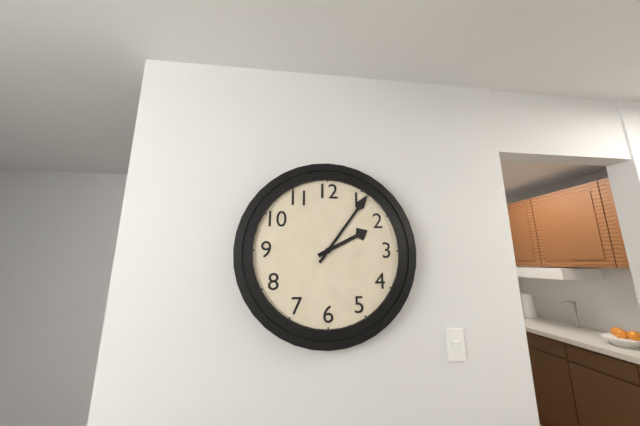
2:06
